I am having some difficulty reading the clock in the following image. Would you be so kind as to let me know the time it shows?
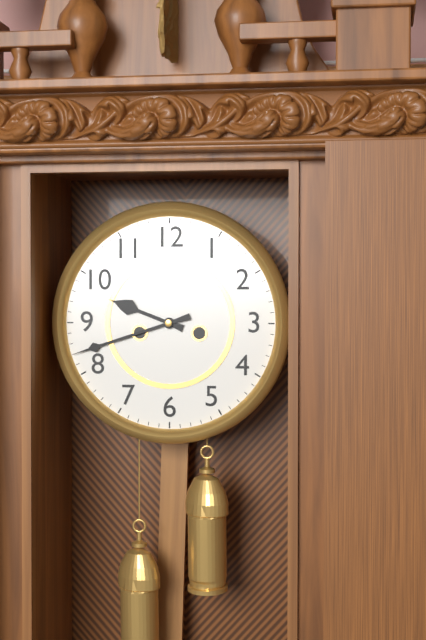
9:42
